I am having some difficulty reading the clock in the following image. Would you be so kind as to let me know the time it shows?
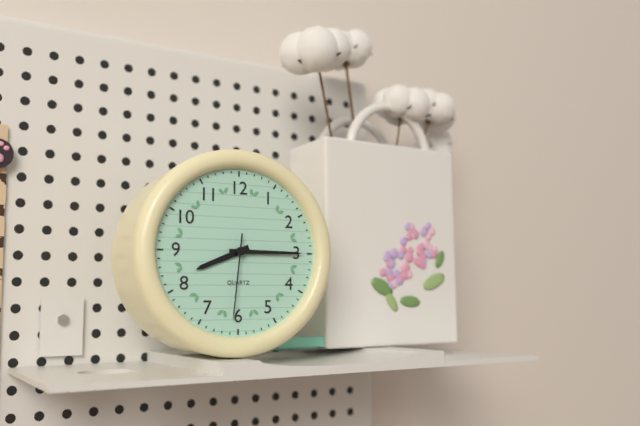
8:15:31
